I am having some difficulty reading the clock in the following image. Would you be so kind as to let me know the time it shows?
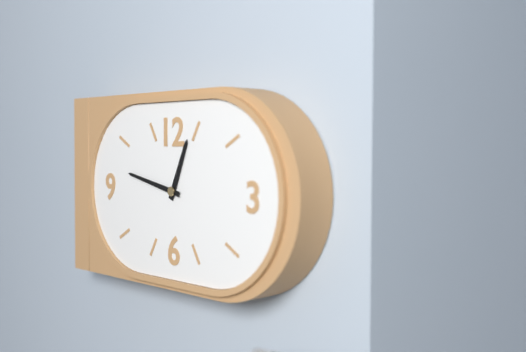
12:47
